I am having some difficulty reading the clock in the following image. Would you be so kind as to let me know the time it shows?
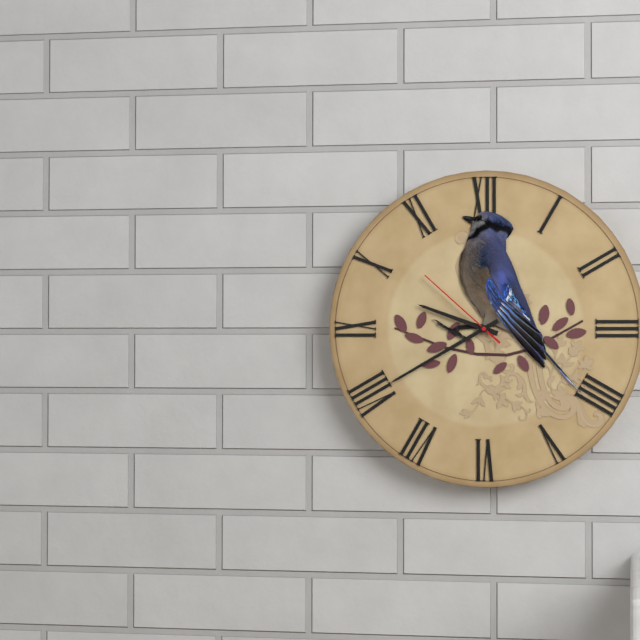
9:40:52
